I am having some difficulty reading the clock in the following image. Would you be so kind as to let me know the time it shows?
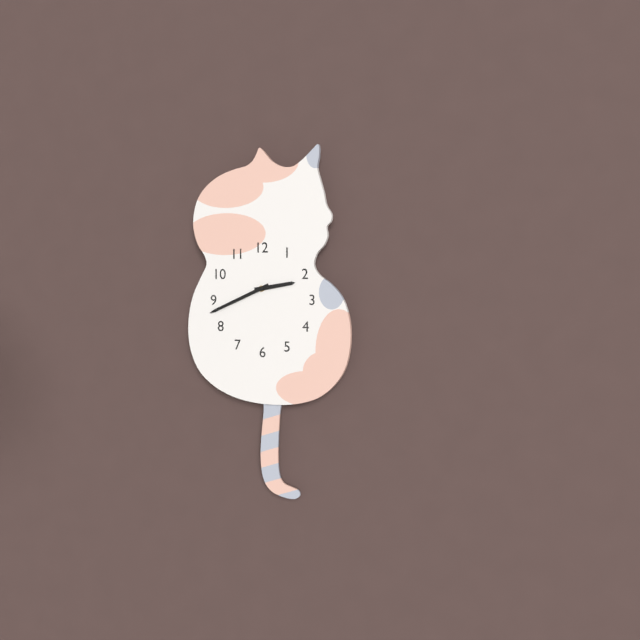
2:41
